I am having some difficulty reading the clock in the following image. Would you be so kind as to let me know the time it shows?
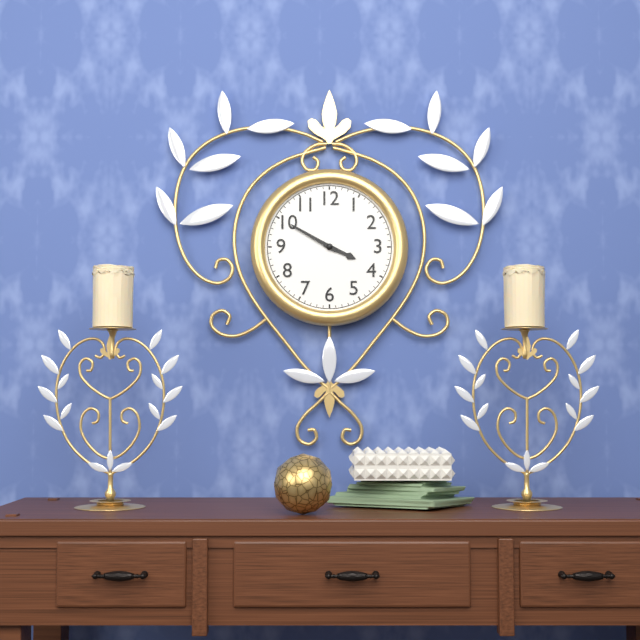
3:50
